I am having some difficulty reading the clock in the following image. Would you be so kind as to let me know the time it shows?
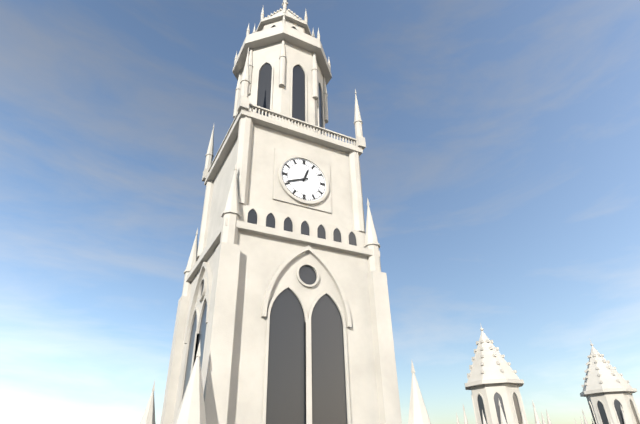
12:41
